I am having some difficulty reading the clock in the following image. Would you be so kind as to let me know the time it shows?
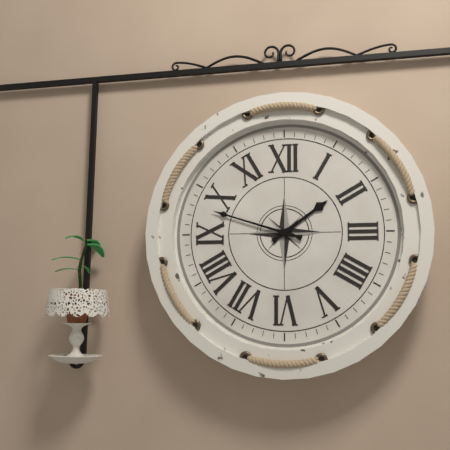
1:48
